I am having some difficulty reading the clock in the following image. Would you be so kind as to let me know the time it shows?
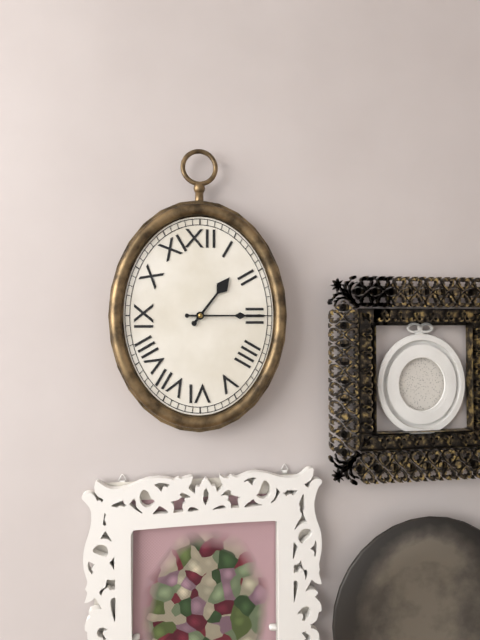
1:15
